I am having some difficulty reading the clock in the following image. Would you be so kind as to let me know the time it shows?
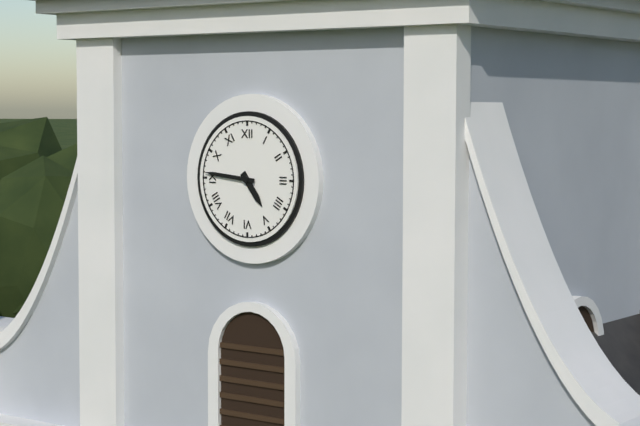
4:46
